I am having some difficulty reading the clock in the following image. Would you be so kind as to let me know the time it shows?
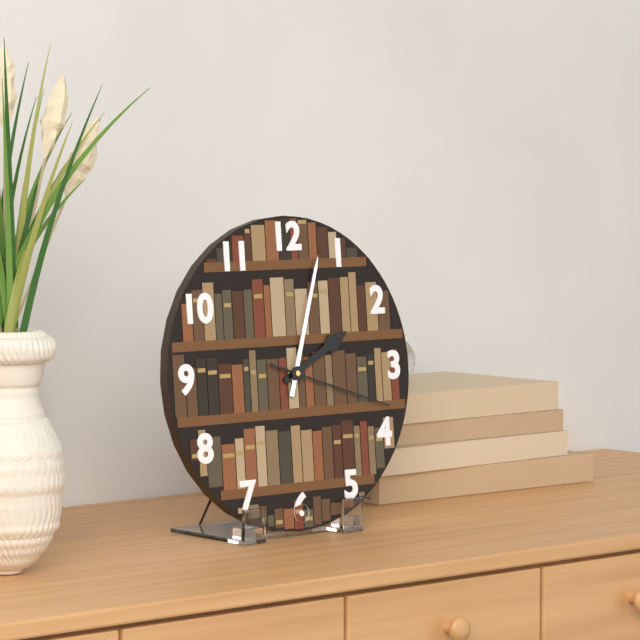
2:03:18
